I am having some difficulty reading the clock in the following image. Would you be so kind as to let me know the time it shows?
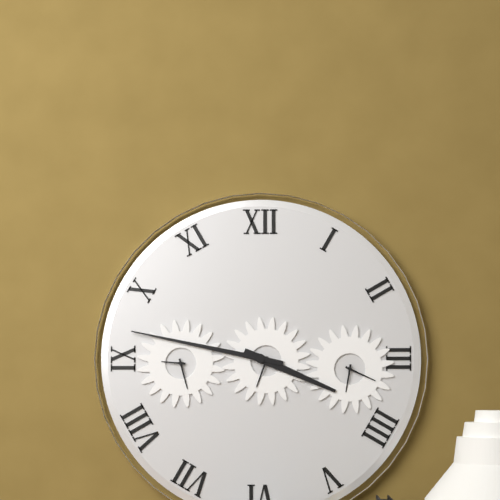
3:47
